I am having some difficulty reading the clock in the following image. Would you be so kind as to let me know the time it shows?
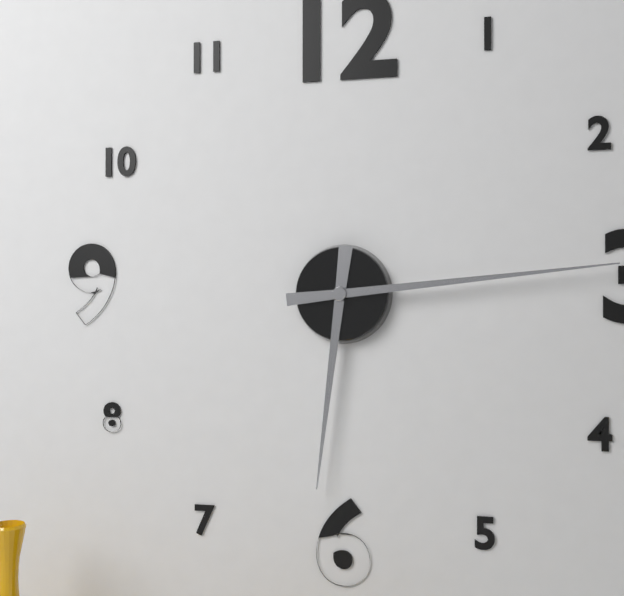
6:14
